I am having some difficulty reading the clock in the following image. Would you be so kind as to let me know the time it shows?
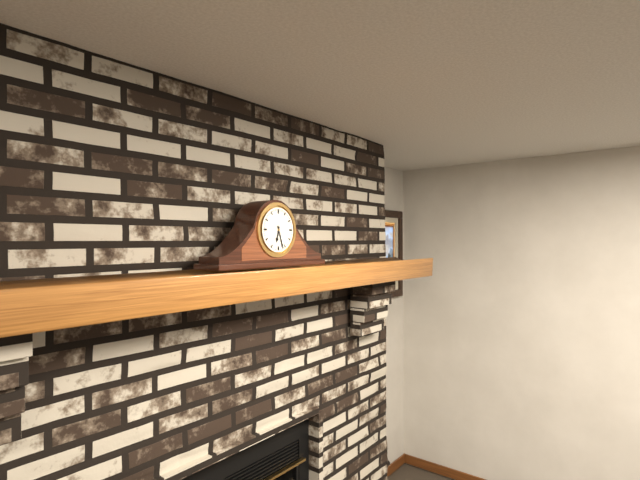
6:27
